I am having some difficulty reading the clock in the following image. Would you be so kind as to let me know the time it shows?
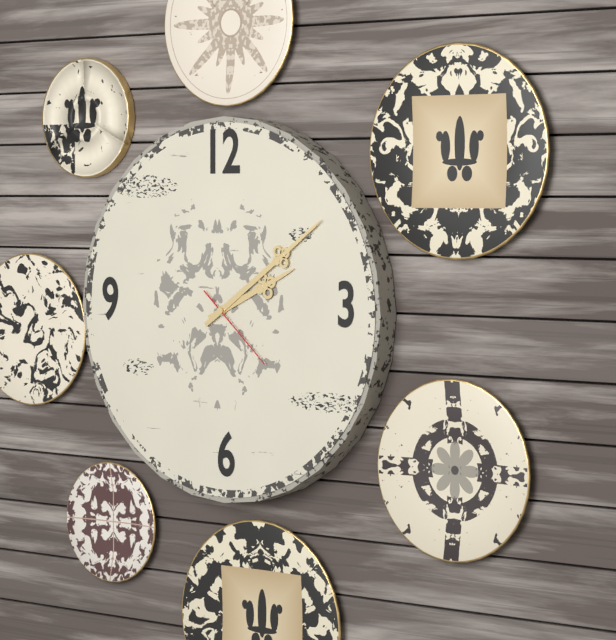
2:09:22
